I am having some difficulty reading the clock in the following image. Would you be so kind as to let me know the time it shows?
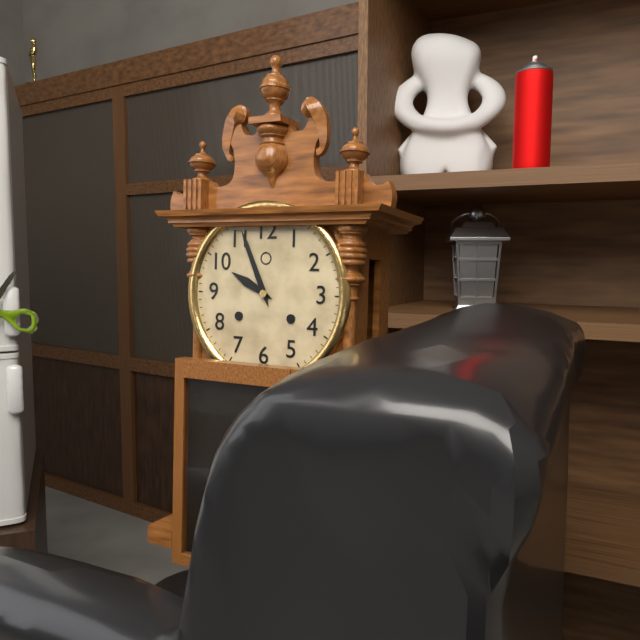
9:56
